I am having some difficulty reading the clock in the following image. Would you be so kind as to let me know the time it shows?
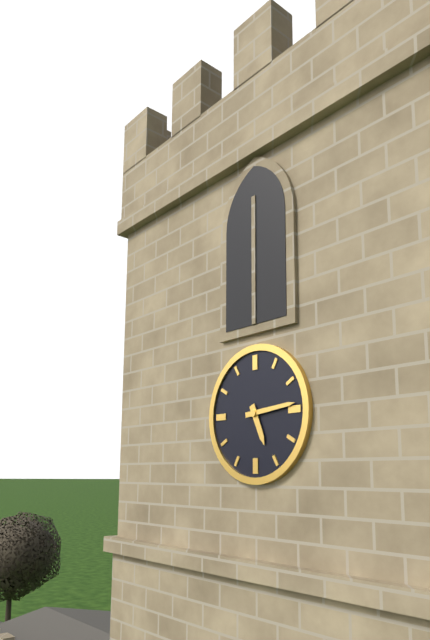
5:14
